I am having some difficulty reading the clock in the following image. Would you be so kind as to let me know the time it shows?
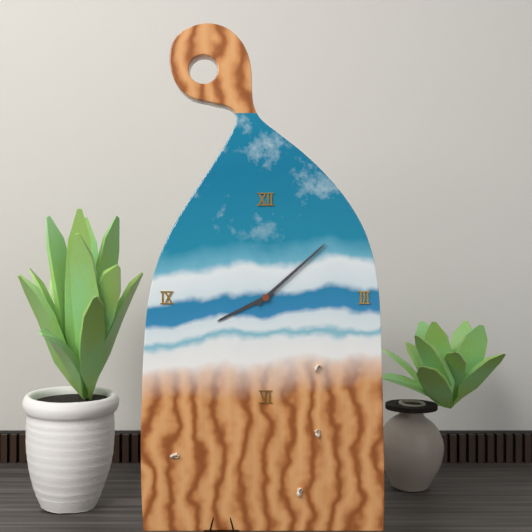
8:08
